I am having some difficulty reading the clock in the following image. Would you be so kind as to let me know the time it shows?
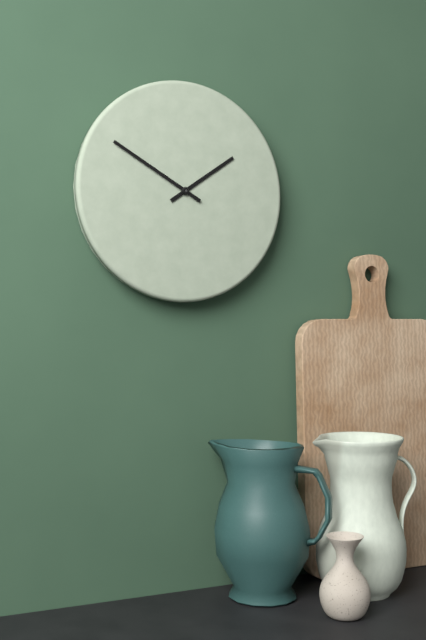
1:50
